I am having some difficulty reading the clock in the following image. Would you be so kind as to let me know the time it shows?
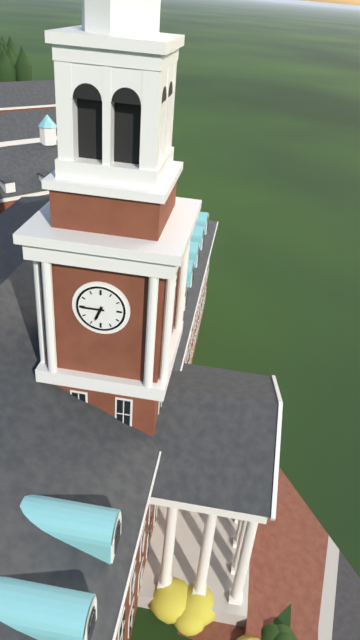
6:45
